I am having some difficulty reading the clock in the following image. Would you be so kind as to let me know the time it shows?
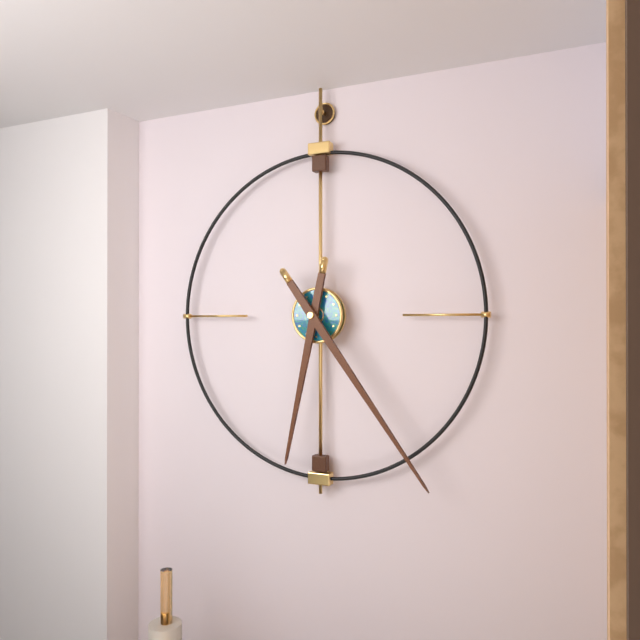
6:24
